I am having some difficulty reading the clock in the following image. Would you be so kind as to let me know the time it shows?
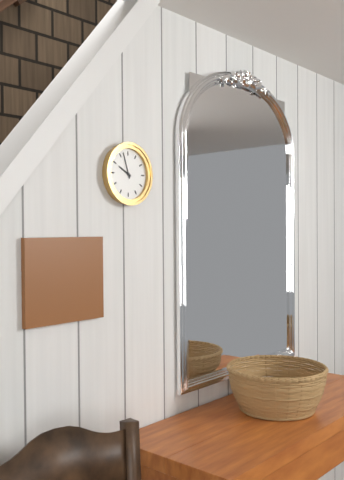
9:57
